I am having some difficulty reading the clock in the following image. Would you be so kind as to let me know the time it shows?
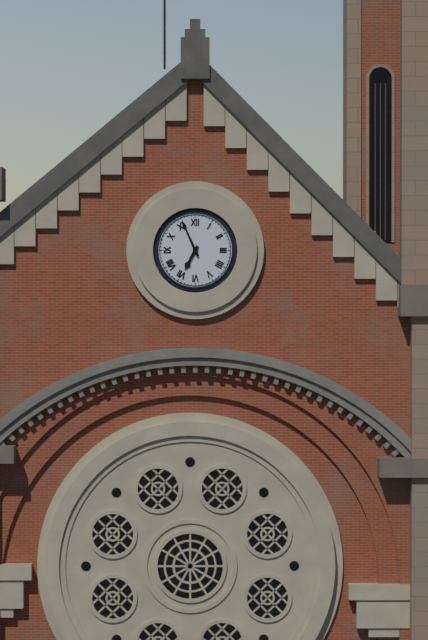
6:56
